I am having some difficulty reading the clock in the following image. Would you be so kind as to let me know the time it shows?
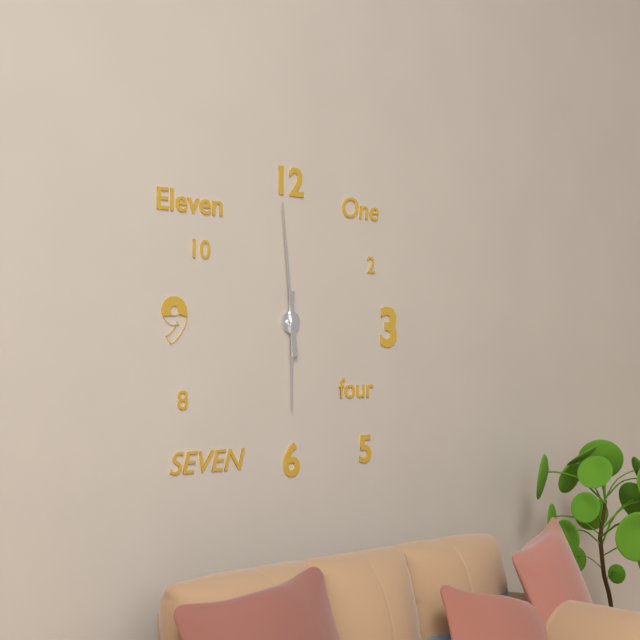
5:59
